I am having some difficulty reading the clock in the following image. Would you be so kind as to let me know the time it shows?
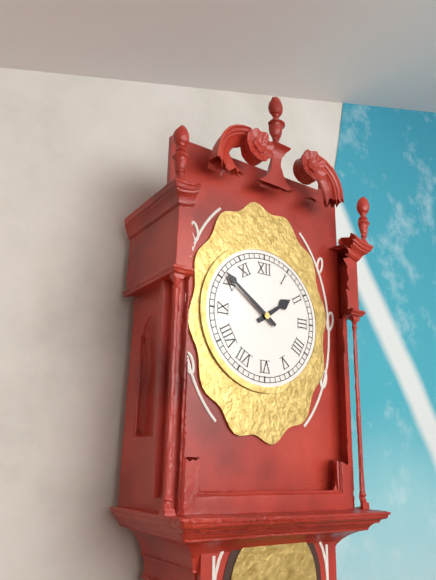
1:51
